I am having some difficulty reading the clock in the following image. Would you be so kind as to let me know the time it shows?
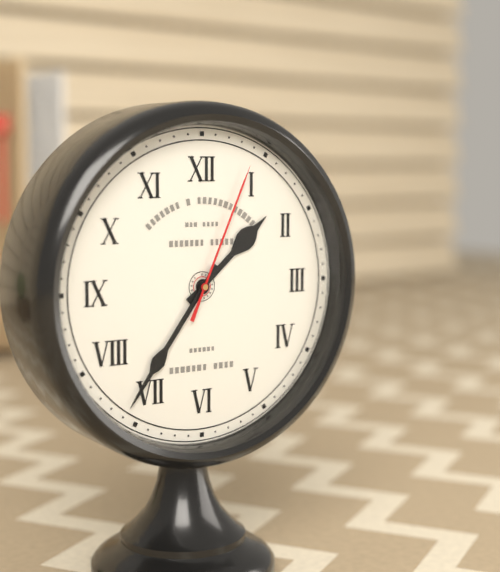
1:36:04
